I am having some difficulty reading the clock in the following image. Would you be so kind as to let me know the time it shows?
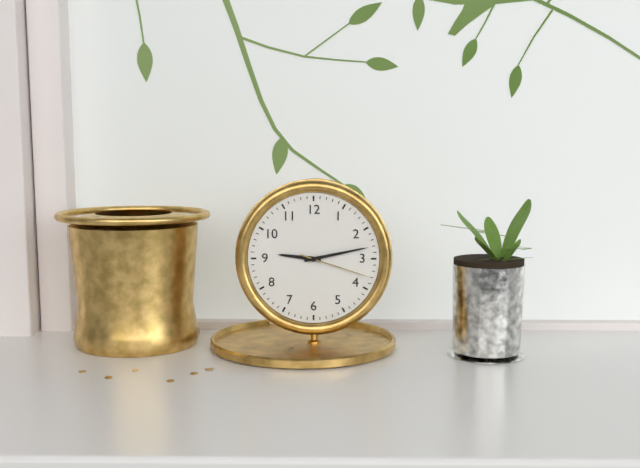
9:13:18
